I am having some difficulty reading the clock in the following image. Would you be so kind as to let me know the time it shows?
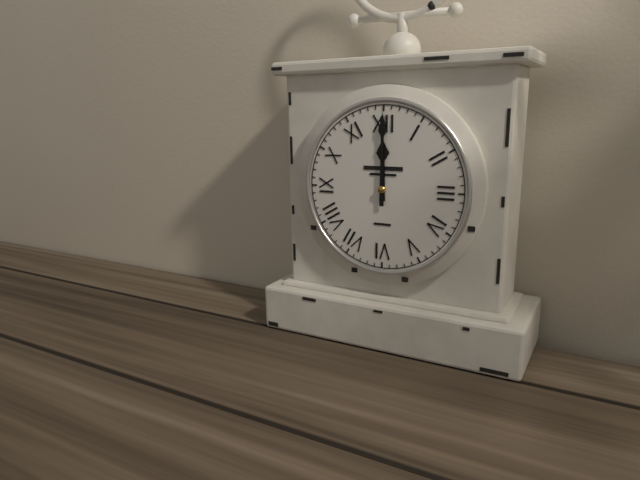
12:00
